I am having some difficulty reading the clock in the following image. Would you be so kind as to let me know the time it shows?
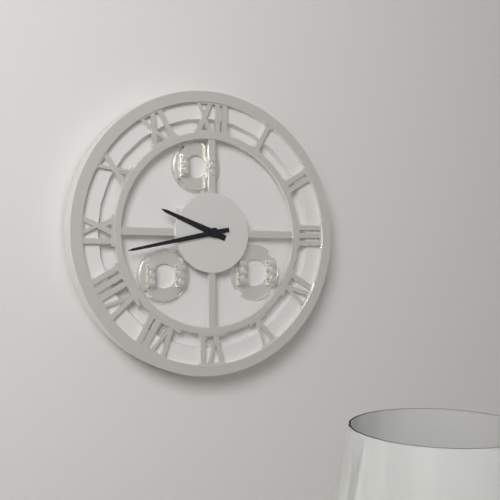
9:43
